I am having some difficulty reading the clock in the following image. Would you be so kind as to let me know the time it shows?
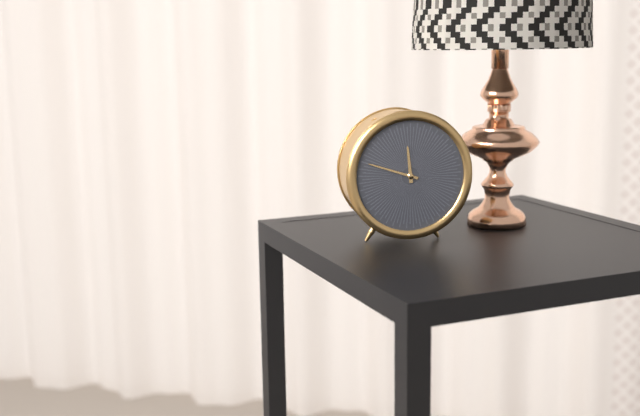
11:48
